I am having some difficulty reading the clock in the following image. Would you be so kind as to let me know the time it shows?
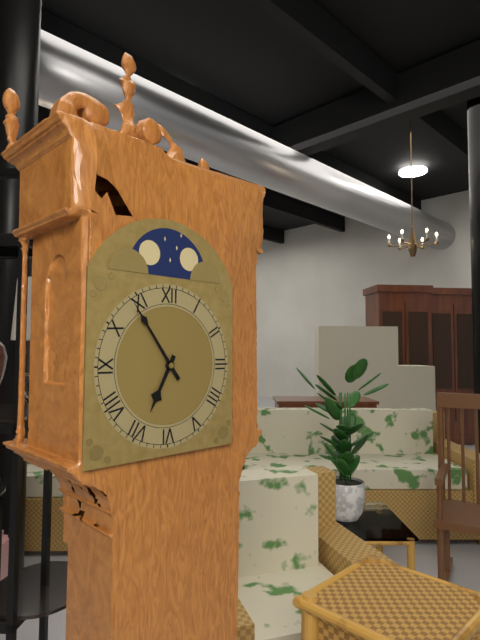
6:54
